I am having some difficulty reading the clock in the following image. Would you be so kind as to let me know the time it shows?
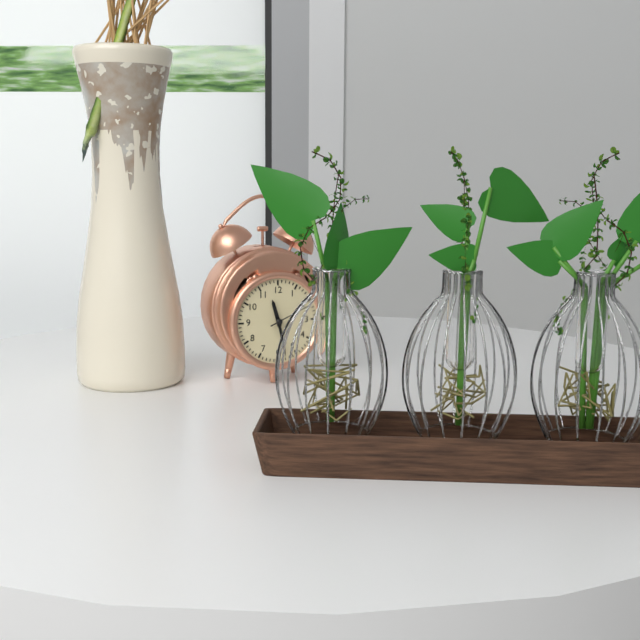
11:28
